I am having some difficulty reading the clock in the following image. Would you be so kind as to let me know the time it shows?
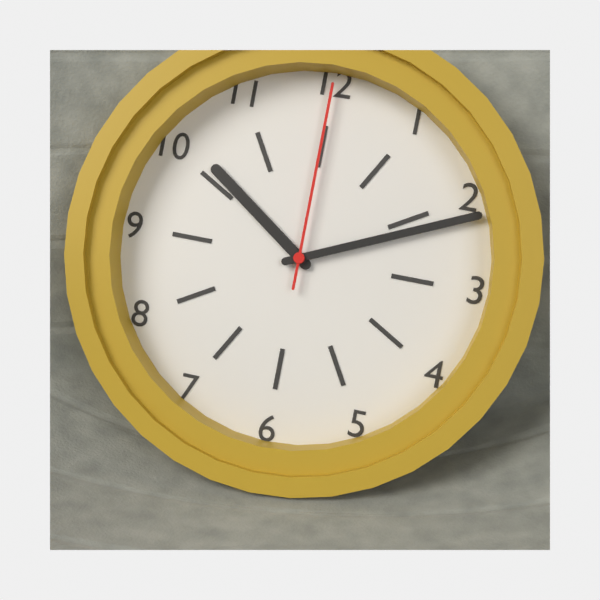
10:11:00
